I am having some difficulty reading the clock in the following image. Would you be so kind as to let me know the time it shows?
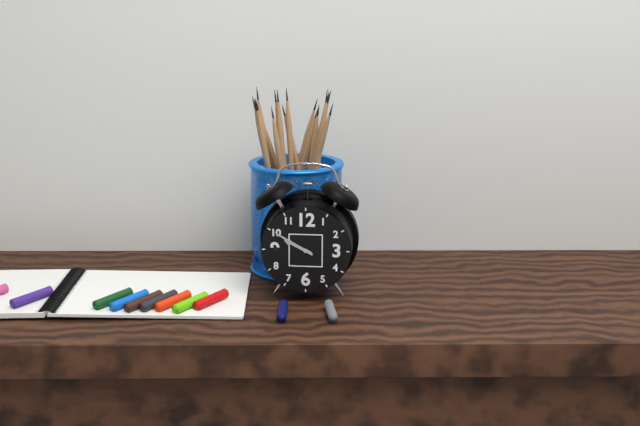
9:50
